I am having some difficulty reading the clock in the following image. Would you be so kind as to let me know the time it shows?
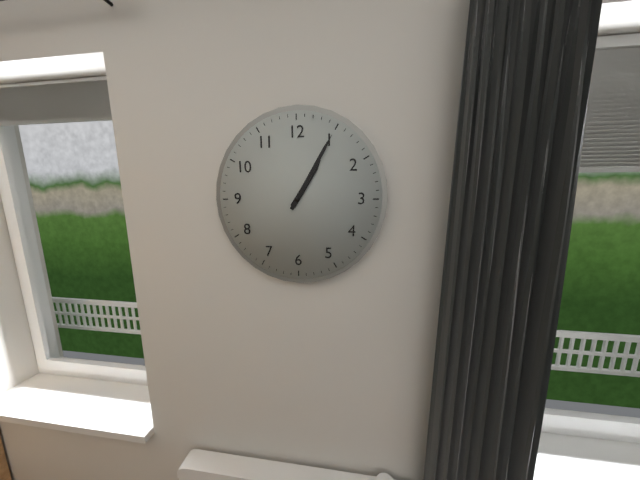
1:05
